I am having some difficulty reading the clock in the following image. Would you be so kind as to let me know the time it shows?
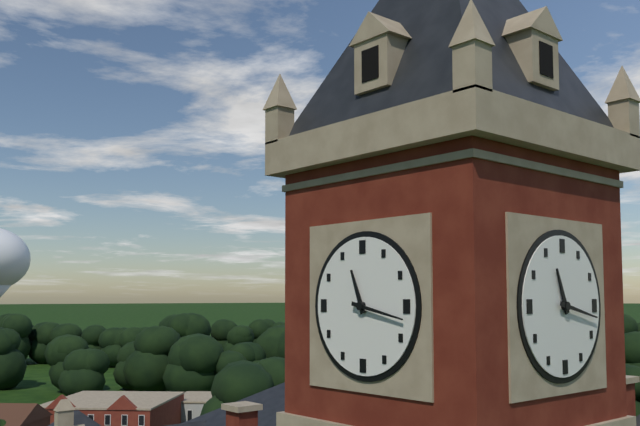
11:17
